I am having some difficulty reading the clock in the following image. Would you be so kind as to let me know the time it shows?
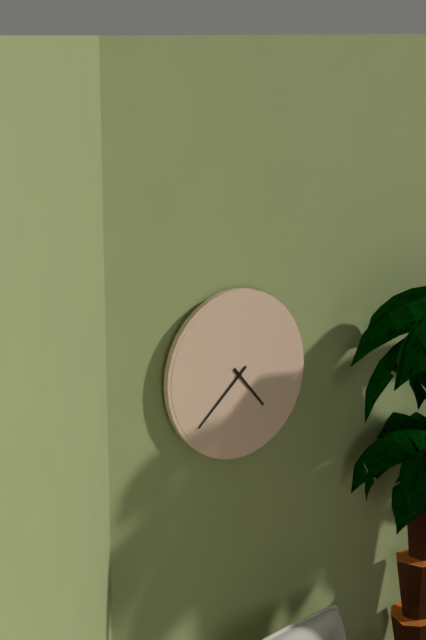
4:38
